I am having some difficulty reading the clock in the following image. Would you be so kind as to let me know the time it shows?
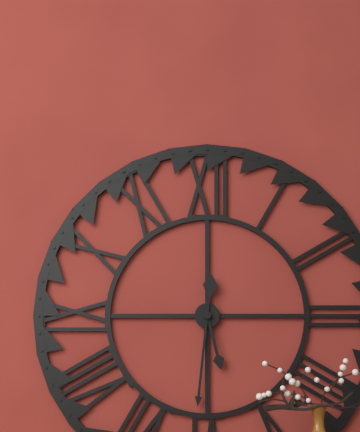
5:31
